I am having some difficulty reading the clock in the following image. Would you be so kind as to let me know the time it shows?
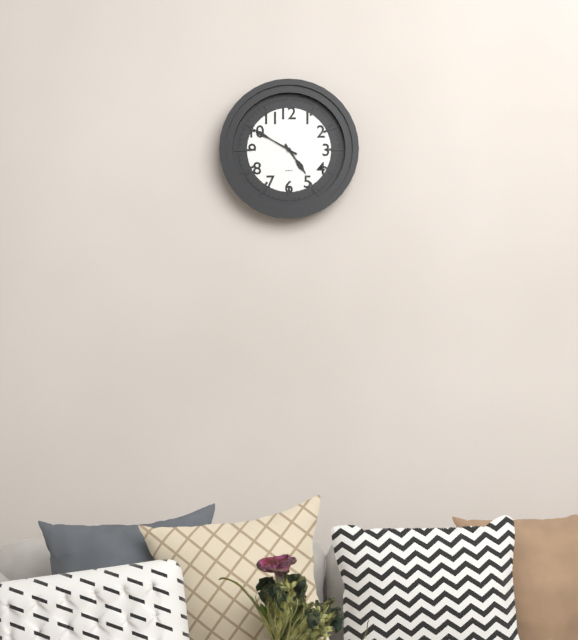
4:50
